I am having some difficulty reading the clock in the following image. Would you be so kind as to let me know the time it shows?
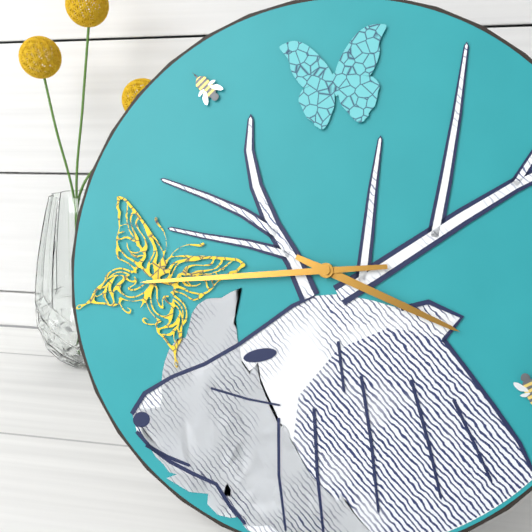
3:44
